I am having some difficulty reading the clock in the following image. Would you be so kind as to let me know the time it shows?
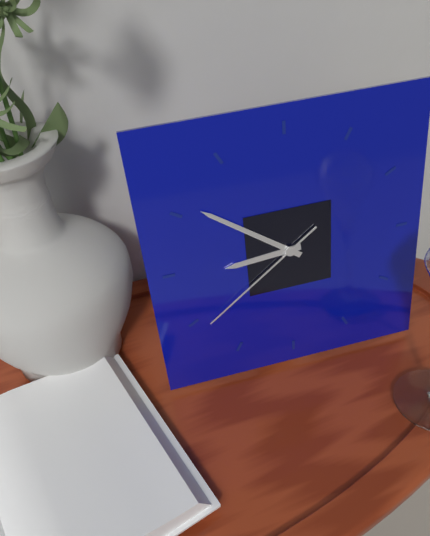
8:51:39
